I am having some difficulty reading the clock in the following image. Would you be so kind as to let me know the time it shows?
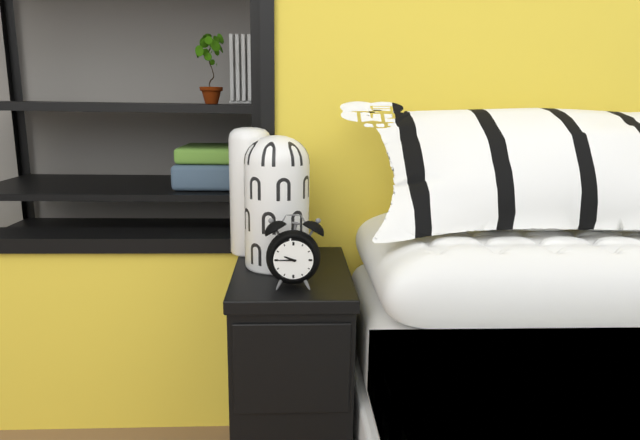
9:45
